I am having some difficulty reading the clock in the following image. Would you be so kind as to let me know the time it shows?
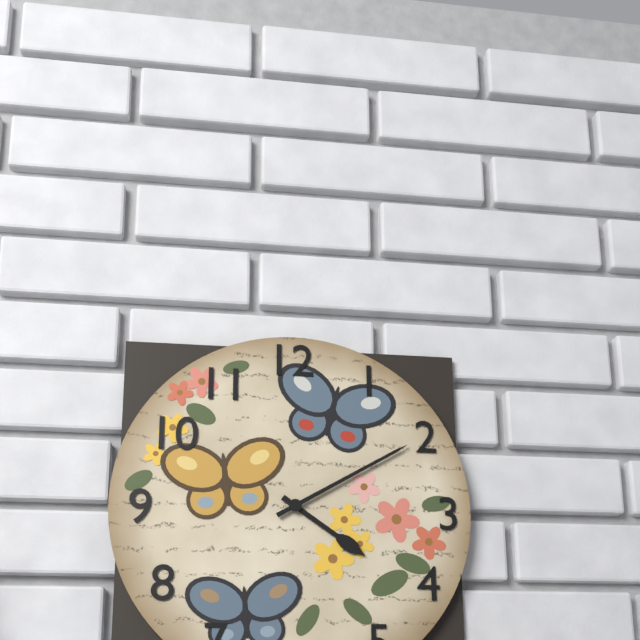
4:10
